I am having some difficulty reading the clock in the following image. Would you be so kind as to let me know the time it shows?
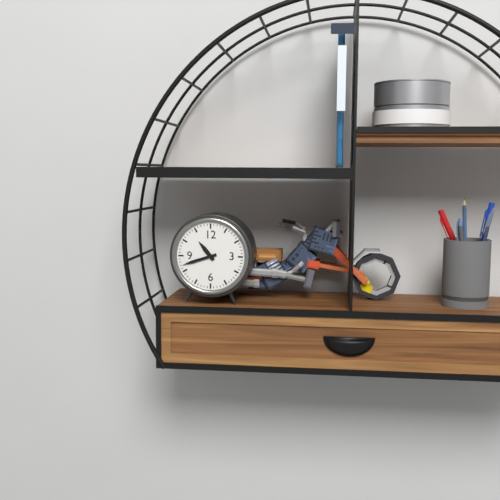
10:42
